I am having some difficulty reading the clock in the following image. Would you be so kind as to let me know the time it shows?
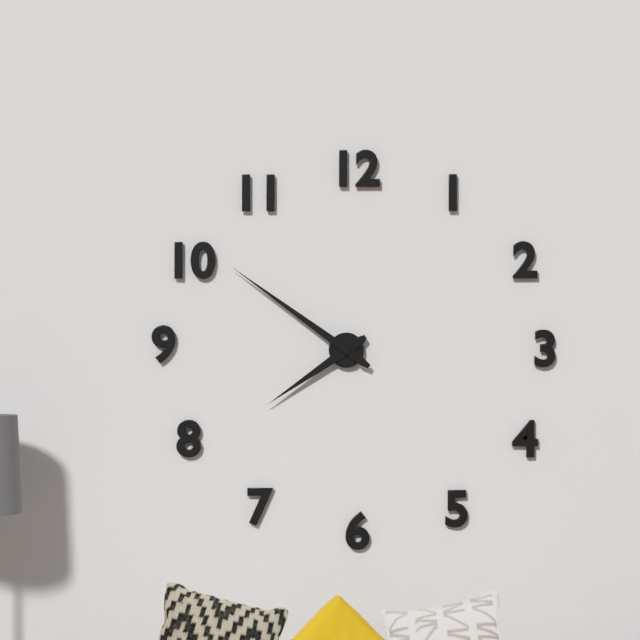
7:51
